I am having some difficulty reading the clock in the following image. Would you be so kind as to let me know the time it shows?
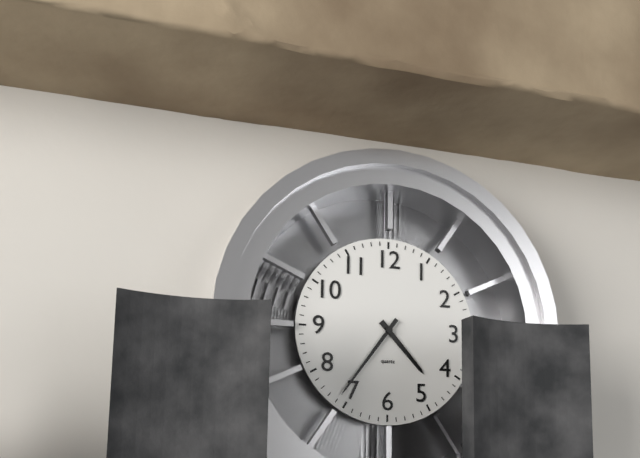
4:36
